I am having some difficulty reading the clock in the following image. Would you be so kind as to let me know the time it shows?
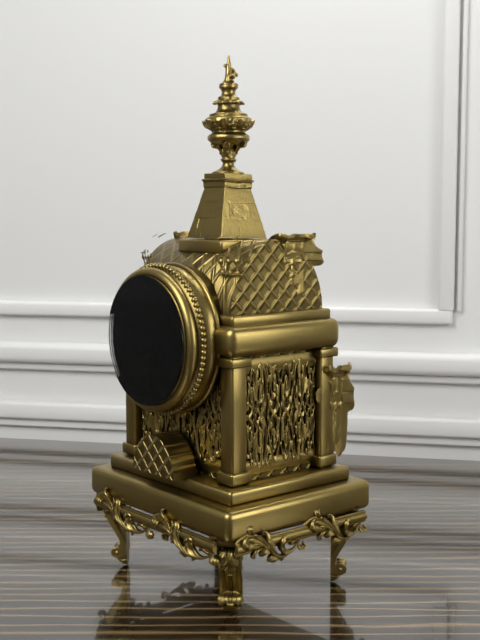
12:31
